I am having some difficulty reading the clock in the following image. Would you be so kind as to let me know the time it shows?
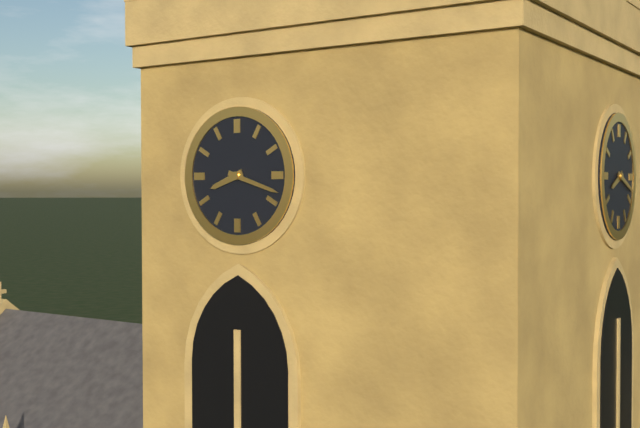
8:18
